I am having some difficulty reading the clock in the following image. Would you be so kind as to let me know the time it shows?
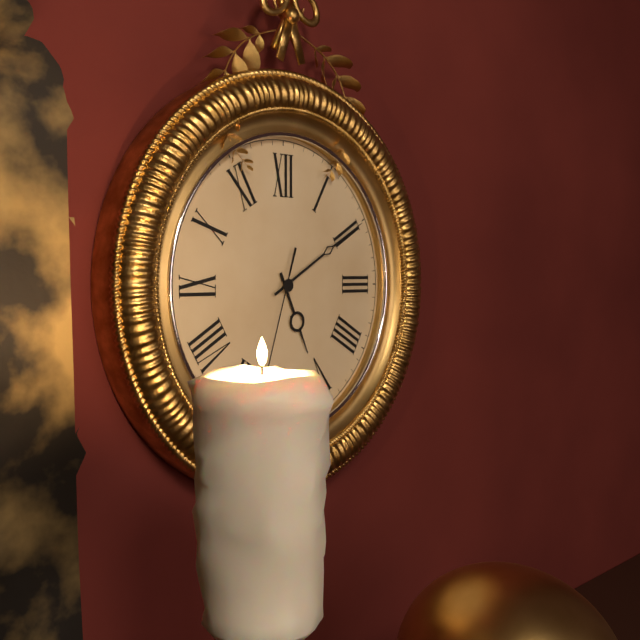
5:10:33
